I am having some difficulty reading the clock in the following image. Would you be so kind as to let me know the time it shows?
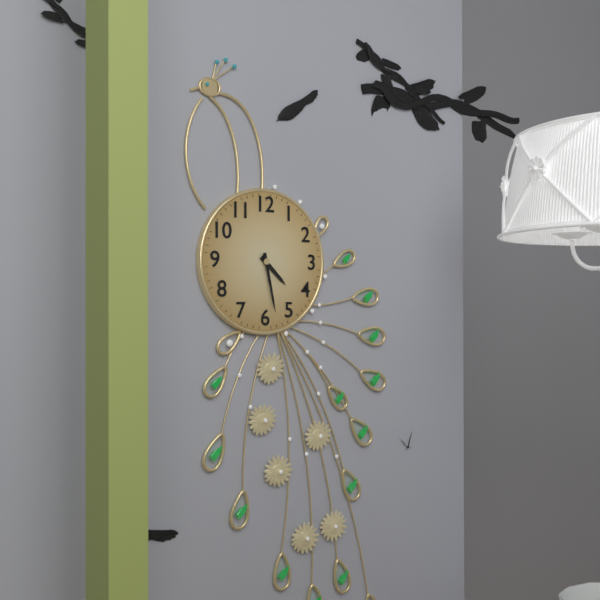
4:28
